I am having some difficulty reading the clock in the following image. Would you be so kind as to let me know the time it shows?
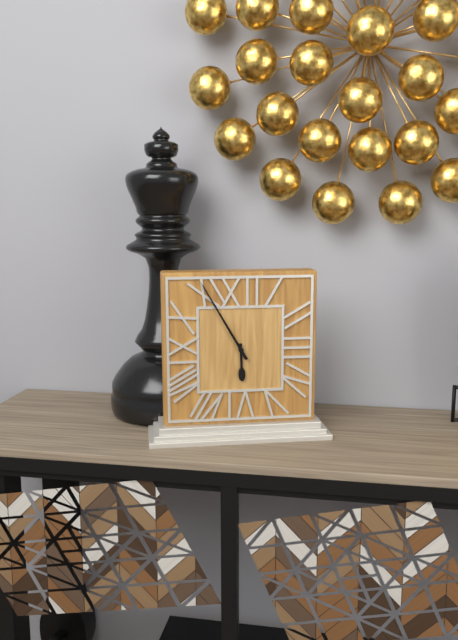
5:55
